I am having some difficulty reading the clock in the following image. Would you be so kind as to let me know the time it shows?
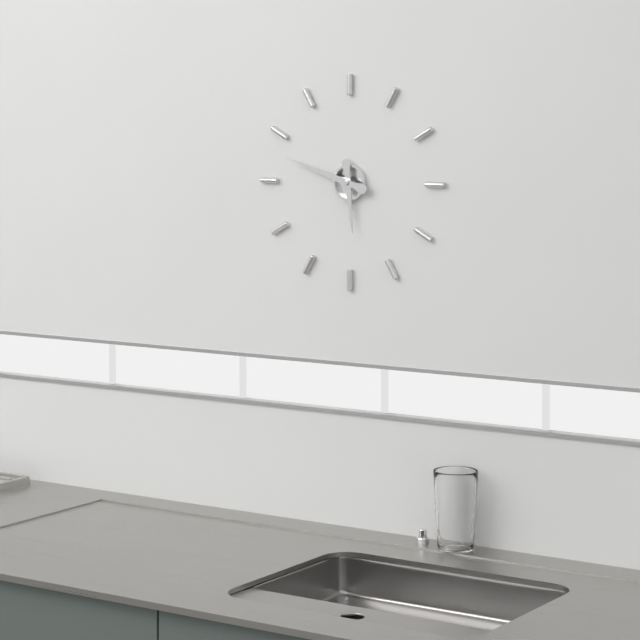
5:48
